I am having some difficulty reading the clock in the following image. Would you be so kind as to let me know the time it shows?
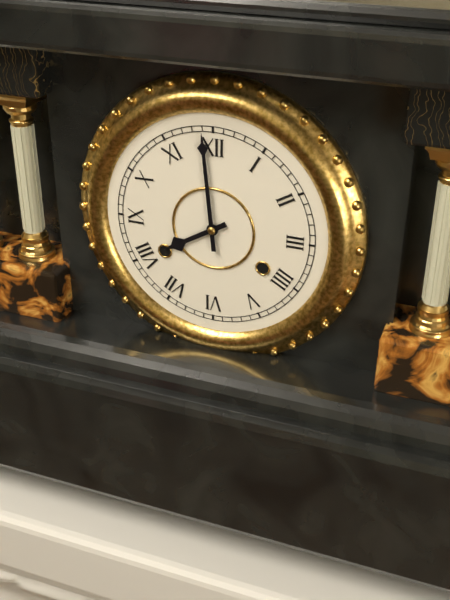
7:59
